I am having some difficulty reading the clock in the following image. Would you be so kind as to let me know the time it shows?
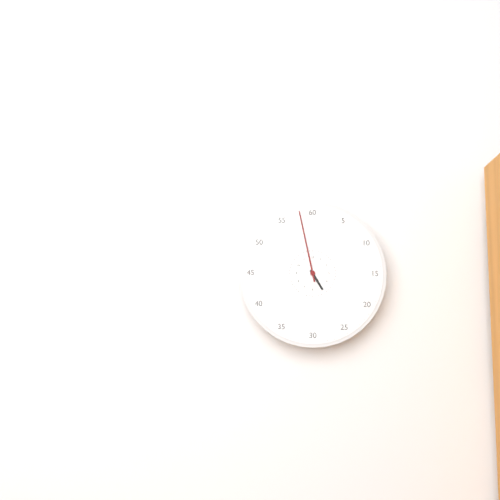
4:58
